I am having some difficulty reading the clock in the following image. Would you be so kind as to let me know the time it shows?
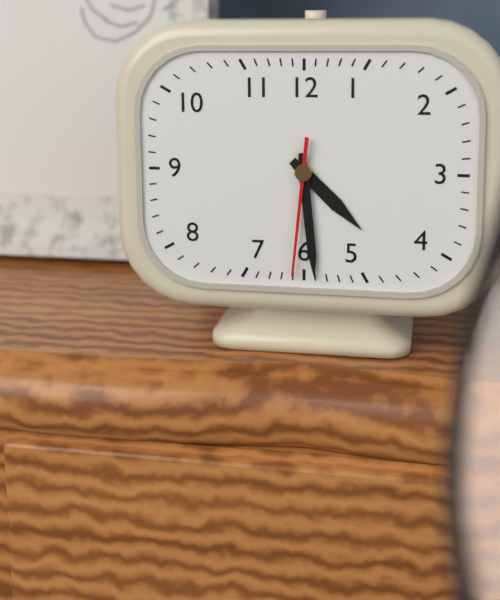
4:29:31
